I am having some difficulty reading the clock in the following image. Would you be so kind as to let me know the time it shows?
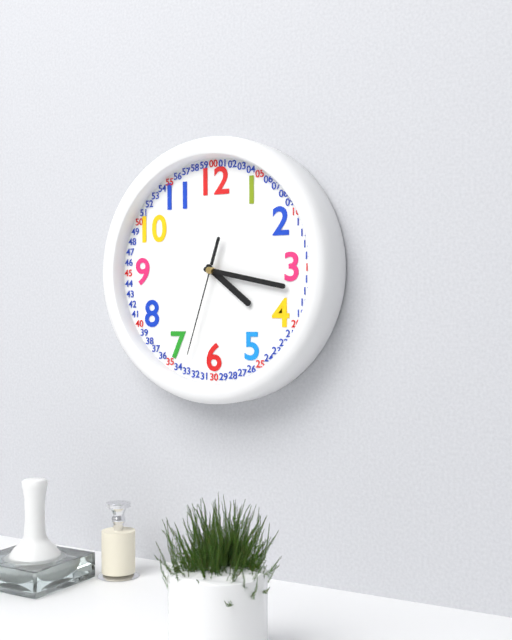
4:17:33
